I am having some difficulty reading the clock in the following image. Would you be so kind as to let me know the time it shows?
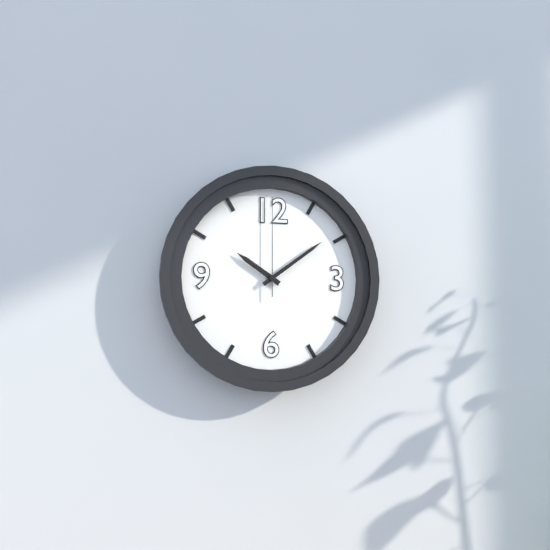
10:09:00
